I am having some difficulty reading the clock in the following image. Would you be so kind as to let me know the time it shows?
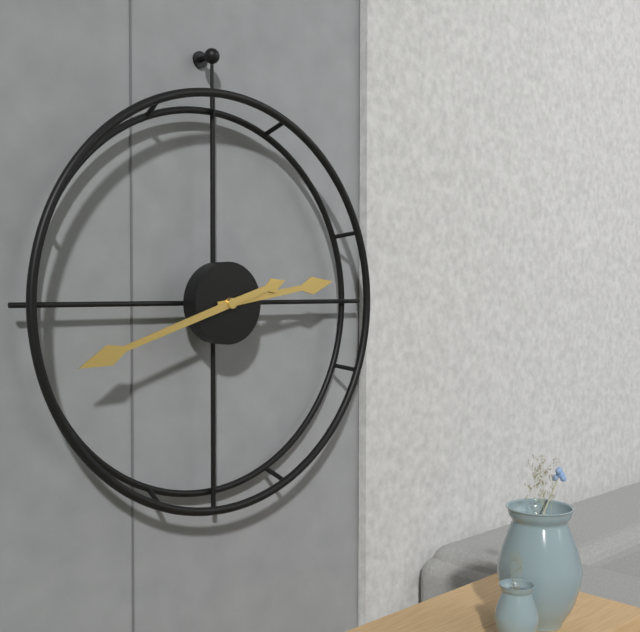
2:42
